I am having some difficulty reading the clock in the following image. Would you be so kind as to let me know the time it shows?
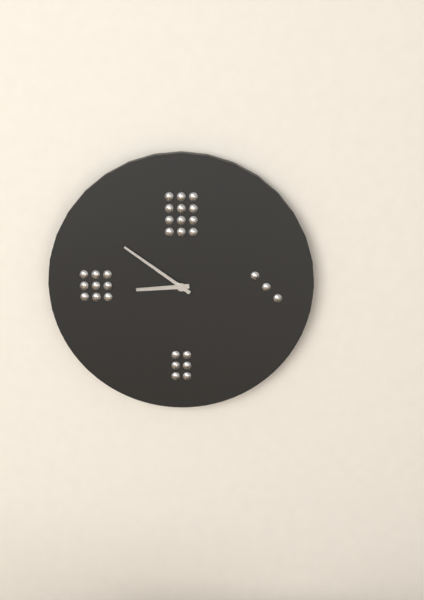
8:51
